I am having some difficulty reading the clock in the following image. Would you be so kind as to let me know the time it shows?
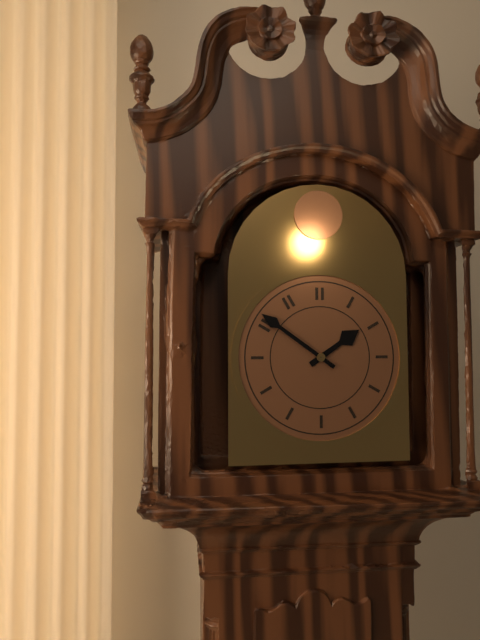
1:51
